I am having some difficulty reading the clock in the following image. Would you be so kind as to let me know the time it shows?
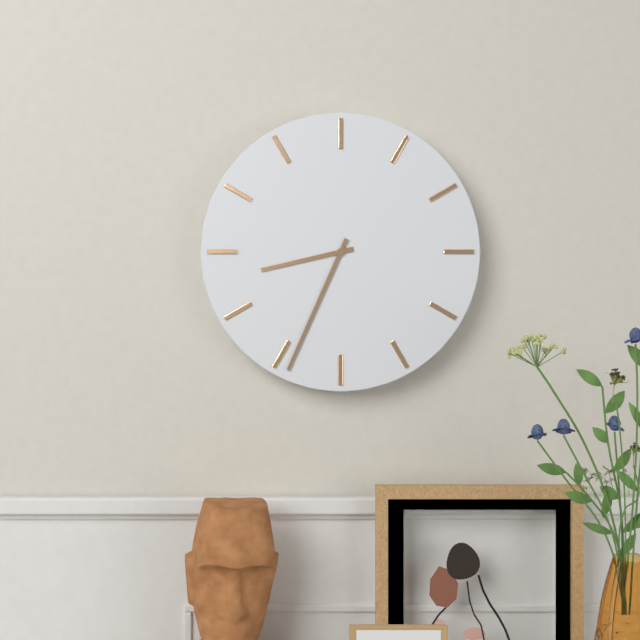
8:34
